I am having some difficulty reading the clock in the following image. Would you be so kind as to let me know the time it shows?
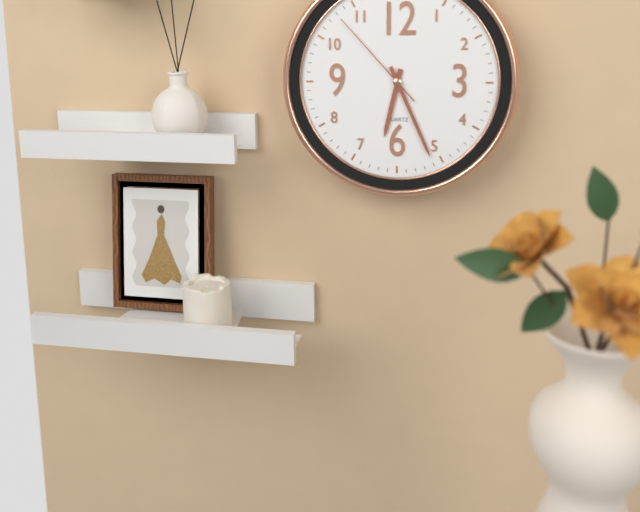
6:26:53
